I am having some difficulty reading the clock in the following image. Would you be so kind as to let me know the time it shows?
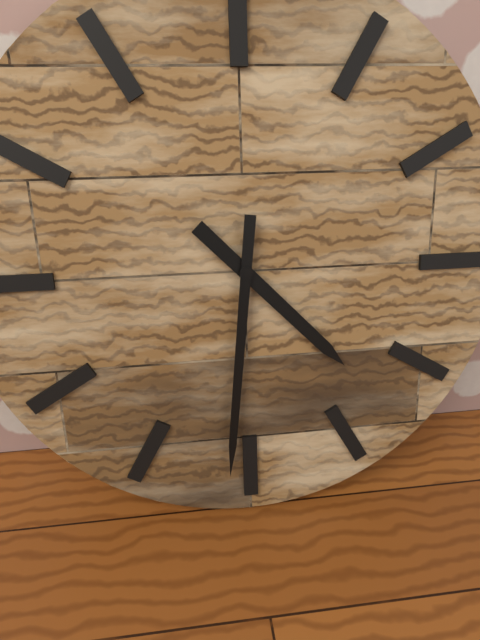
4:31
